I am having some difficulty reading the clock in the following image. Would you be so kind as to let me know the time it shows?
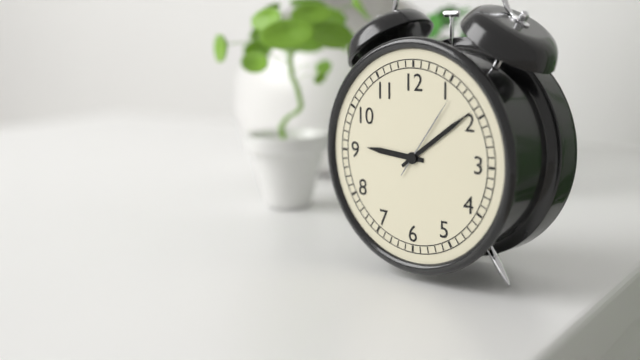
9:09:06
